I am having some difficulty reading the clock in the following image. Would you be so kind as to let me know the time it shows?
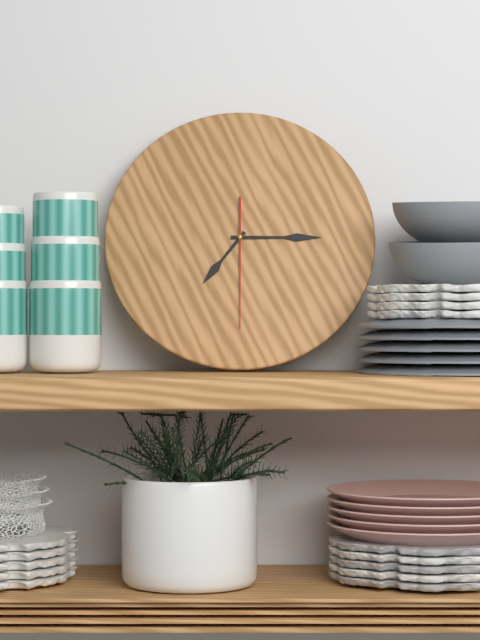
7:15:30
